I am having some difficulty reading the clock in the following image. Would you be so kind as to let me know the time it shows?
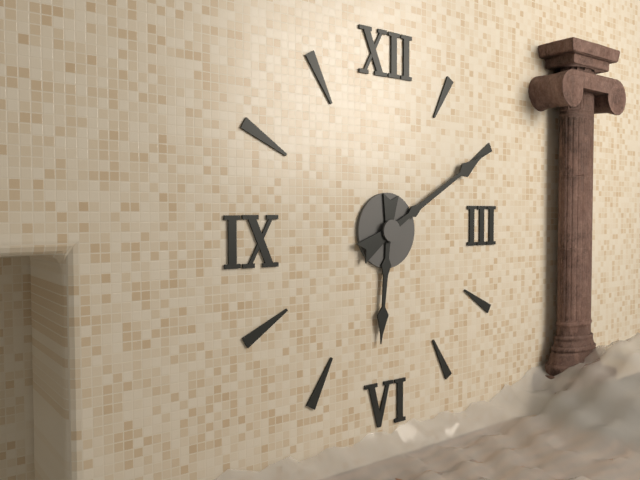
6:10
